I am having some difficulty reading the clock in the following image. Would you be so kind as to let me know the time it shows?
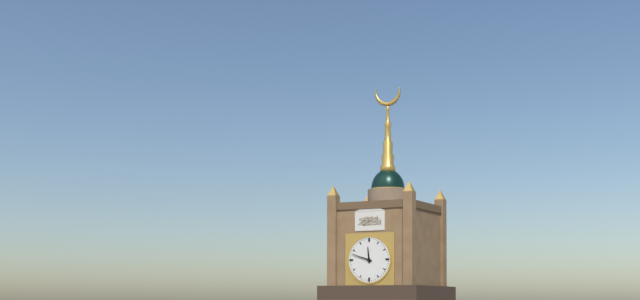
11:48
